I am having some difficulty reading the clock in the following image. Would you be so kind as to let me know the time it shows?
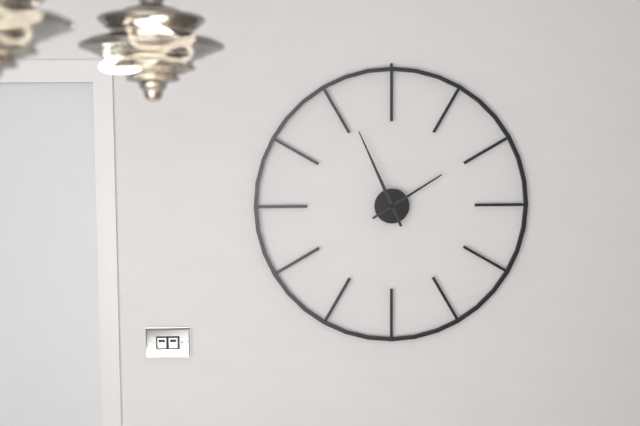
1:56
